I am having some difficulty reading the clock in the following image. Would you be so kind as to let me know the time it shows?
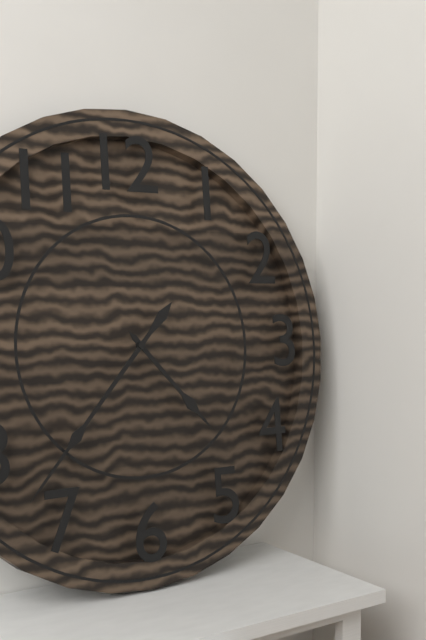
4:37
